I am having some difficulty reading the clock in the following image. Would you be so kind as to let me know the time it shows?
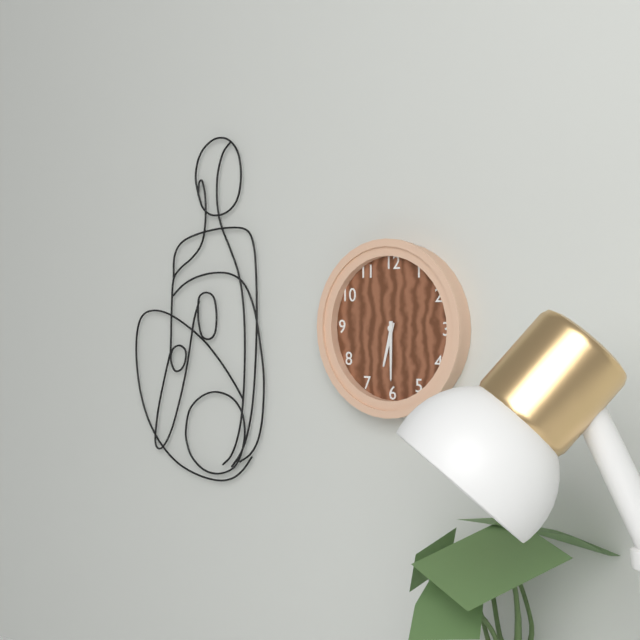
6:30
